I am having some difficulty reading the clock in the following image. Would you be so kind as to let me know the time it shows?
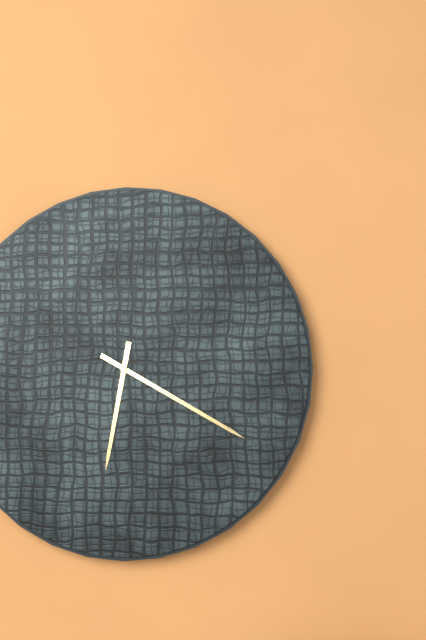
6:20
